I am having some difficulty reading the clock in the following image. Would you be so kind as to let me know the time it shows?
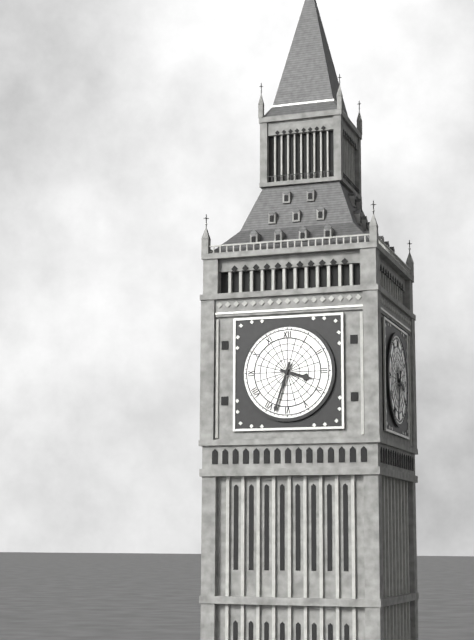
3:33
